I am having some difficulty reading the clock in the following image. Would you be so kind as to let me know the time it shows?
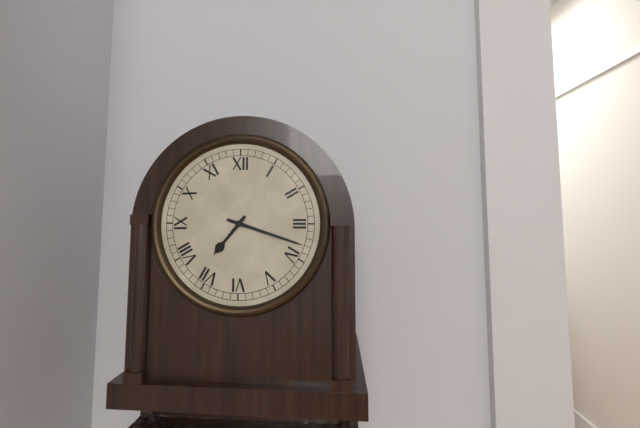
7:18
